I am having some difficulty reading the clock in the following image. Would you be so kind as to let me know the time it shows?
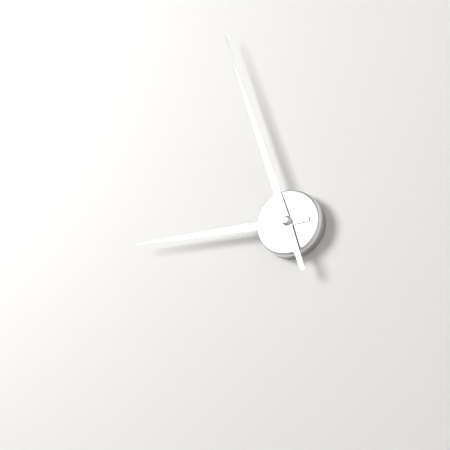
8:57
